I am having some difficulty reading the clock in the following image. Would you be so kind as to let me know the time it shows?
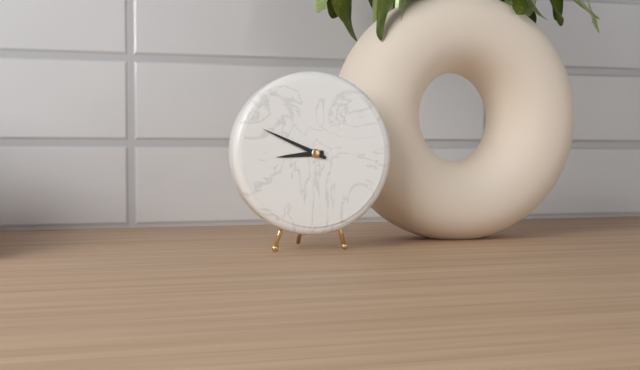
8:49
